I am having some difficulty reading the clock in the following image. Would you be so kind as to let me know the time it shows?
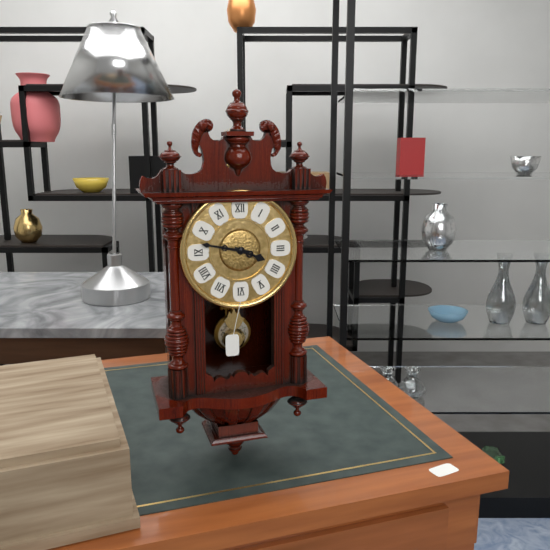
3:47
